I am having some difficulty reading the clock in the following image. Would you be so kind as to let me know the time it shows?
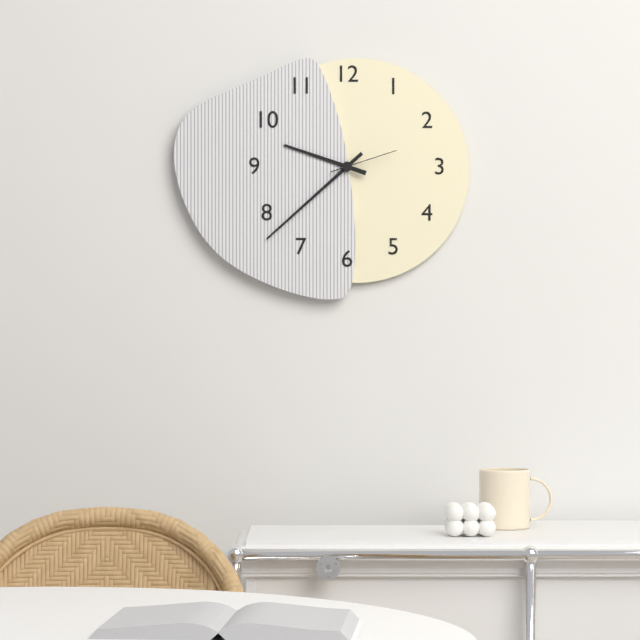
9:38:12
